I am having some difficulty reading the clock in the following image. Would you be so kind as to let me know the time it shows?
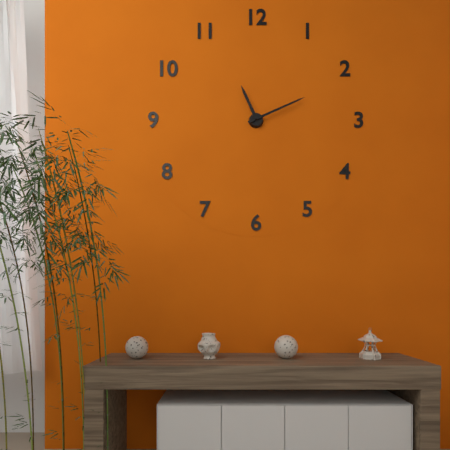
11:11
